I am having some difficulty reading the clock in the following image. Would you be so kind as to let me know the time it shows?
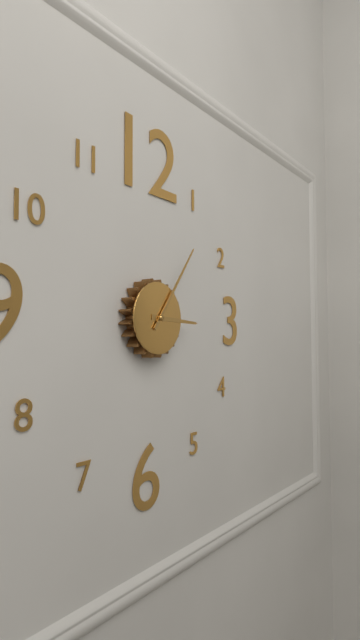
3:06
